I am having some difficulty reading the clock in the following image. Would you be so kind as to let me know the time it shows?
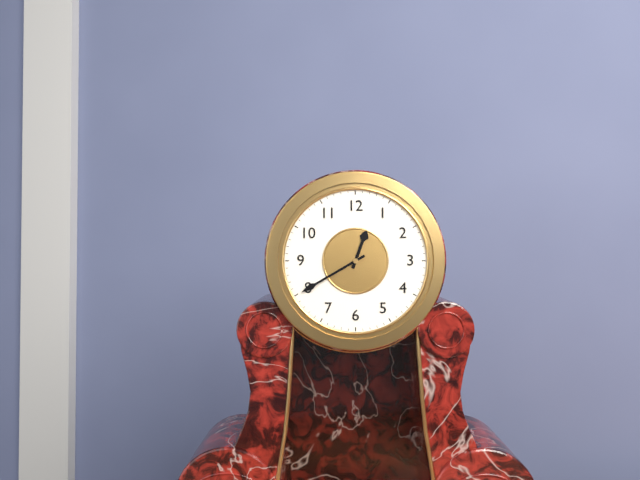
12:40
